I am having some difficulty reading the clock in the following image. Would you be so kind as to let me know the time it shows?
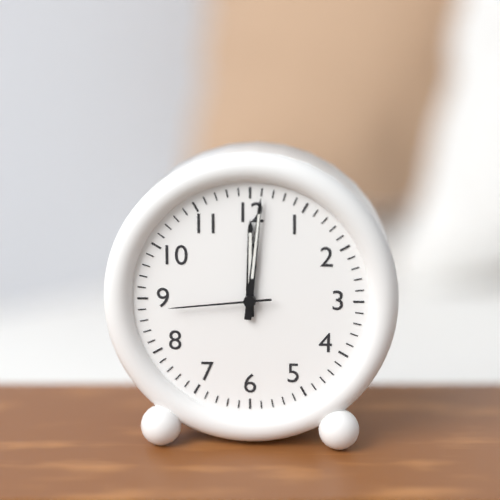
12:01:44
